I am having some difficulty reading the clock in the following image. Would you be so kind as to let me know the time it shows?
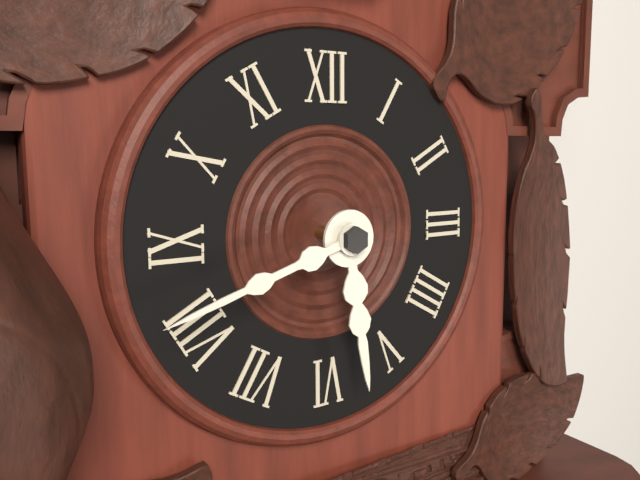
5:42
